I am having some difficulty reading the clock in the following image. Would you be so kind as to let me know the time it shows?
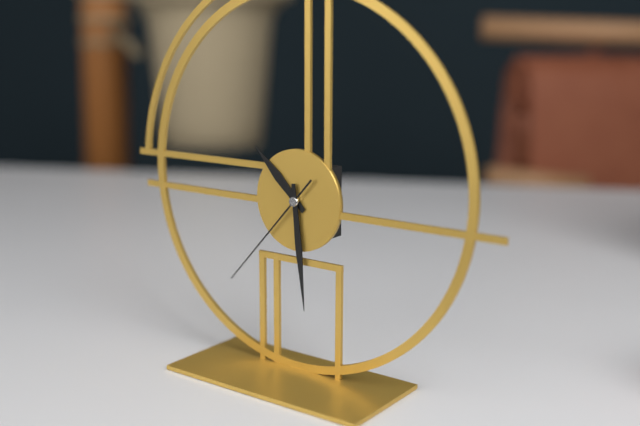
10:29:37
